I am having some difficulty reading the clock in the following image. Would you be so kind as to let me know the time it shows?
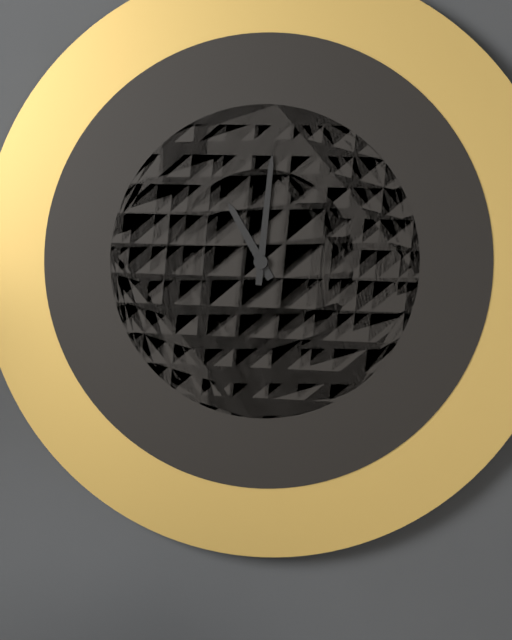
11:01
